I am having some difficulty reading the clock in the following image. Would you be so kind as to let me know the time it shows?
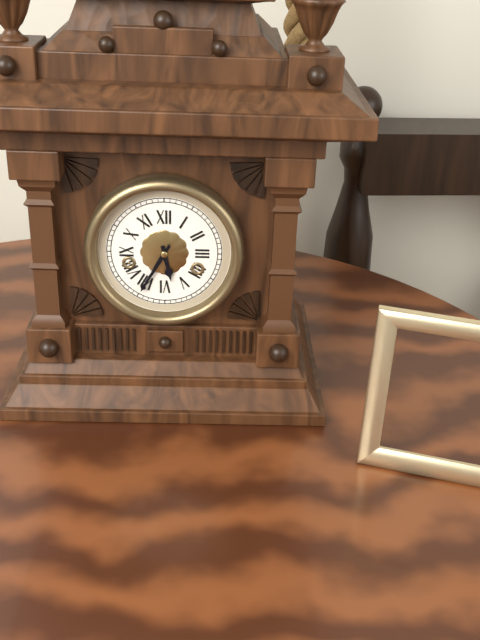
5:35
